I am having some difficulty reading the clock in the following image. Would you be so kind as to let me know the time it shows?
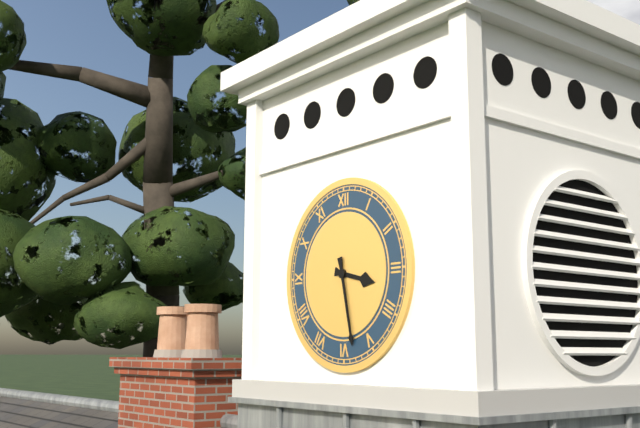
3:28
